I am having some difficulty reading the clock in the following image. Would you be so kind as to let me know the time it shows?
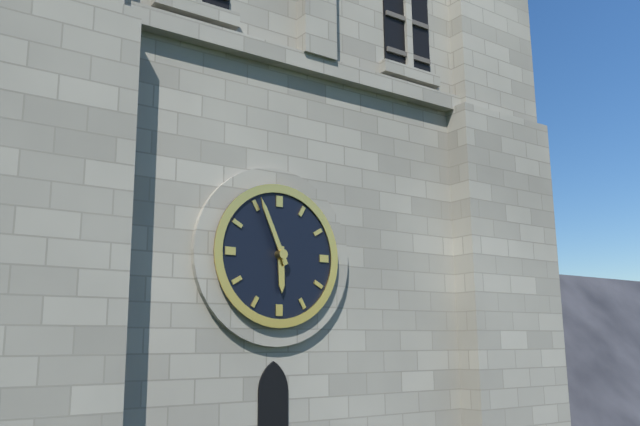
5:56
